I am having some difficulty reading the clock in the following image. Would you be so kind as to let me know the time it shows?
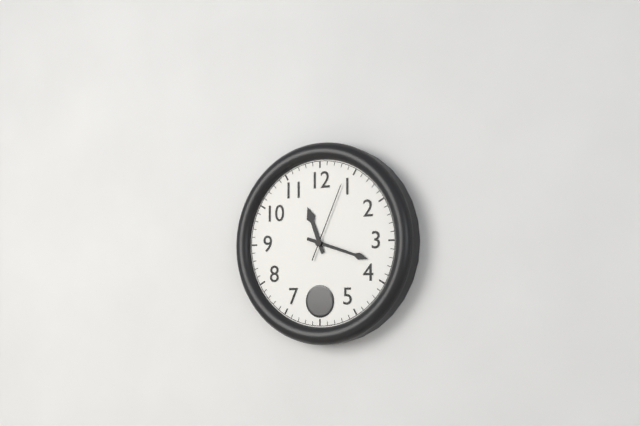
11:18:04
